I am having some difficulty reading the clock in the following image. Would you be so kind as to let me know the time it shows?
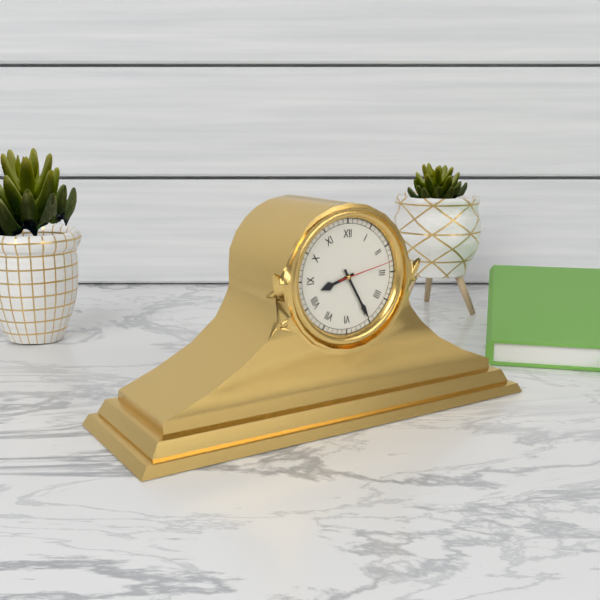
8:25:13
